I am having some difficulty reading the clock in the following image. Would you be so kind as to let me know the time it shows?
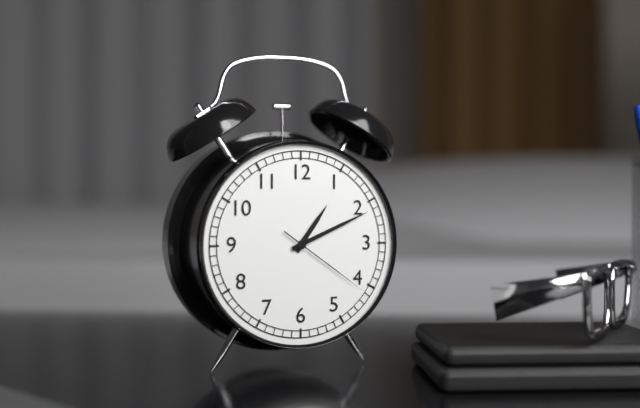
1:11:21
